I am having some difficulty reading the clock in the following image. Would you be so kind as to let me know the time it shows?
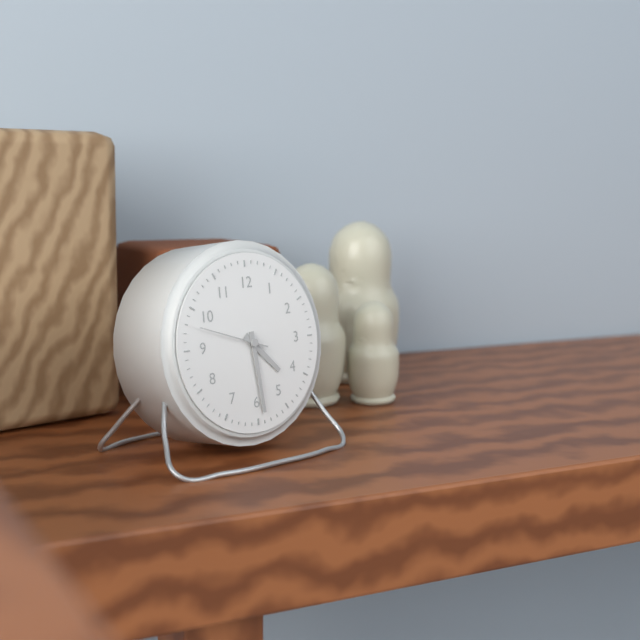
4:29:48
